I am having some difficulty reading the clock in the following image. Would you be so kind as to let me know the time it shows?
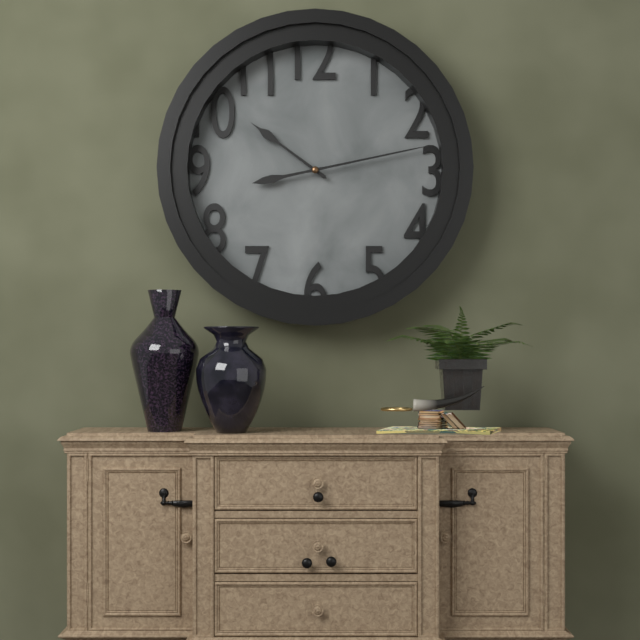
10:13
